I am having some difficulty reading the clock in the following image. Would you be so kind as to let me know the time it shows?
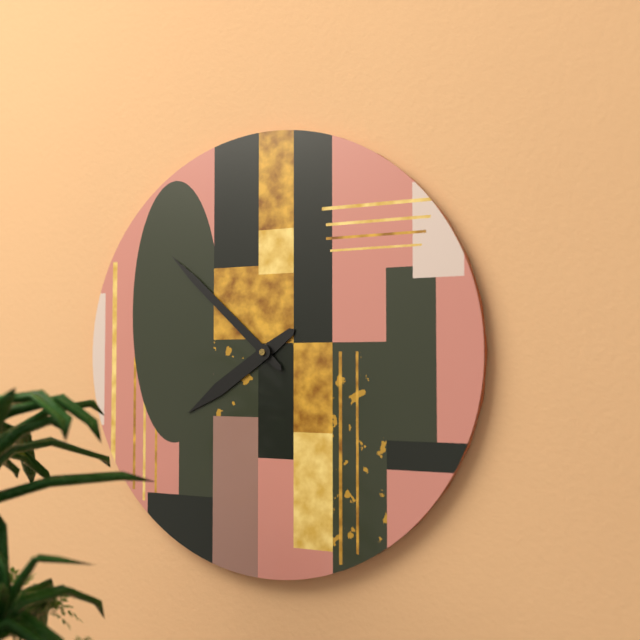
7:52
